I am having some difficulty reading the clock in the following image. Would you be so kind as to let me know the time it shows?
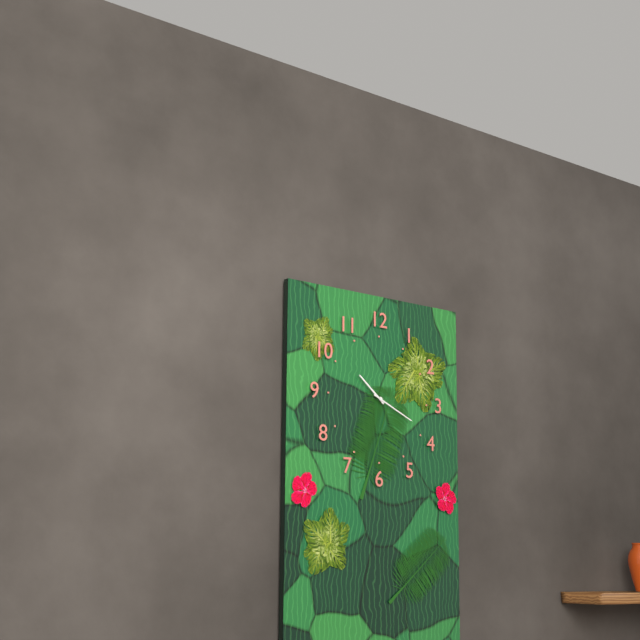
10:19
